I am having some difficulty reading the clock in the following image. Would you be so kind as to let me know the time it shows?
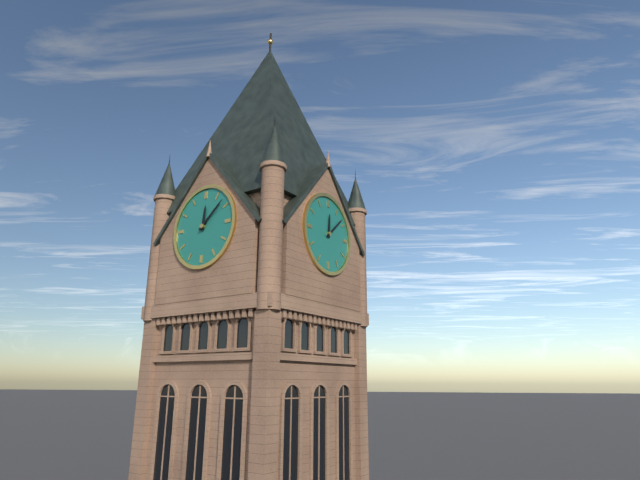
12:08
